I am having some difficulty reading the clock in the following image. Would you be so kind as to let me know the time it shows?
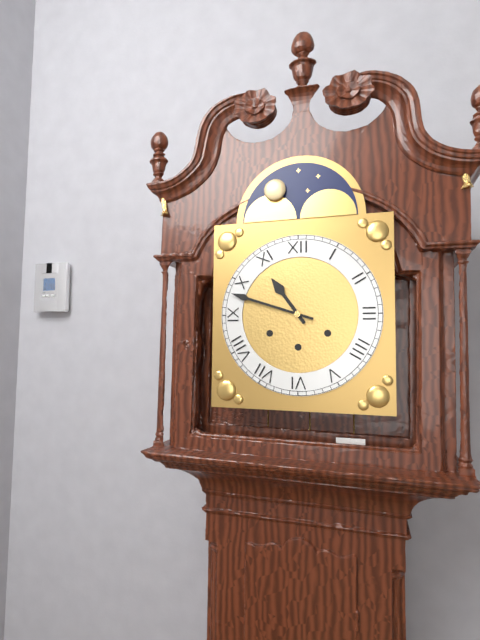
10:48
